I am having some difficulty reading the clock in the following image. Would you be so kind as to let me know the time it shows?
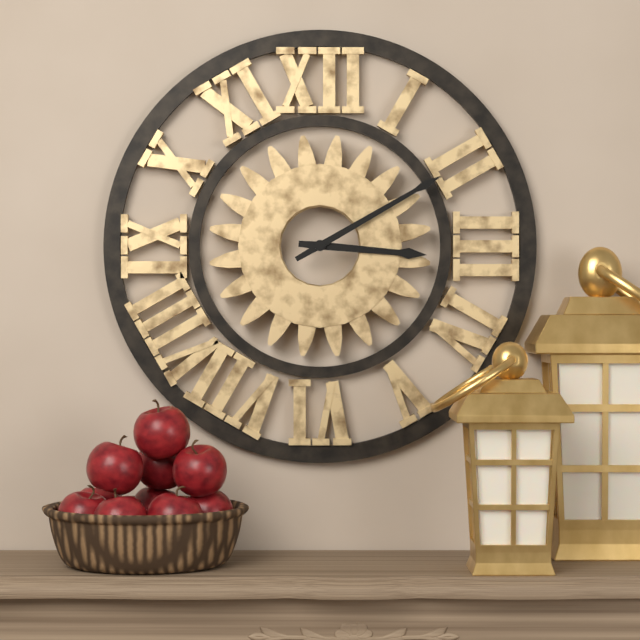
3:10
